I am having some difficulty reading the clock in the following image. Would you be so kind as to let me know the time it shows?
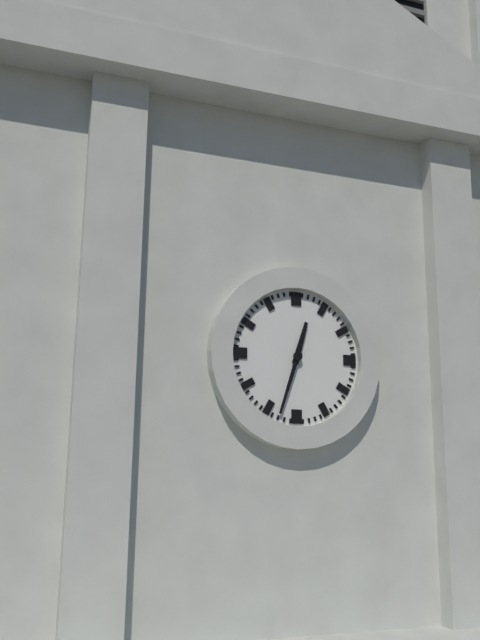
12:33
